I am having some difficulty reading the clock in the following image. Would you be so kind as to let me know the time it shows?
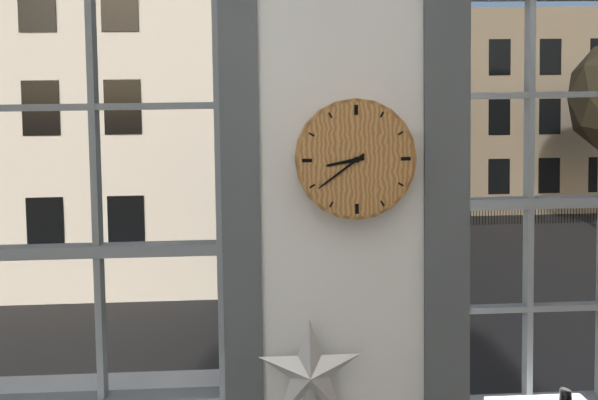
8:39
